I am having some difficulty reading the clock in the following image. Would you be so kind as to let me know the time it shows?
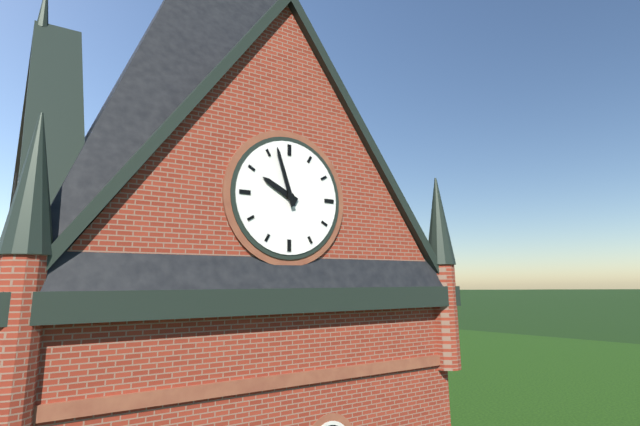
9:57
